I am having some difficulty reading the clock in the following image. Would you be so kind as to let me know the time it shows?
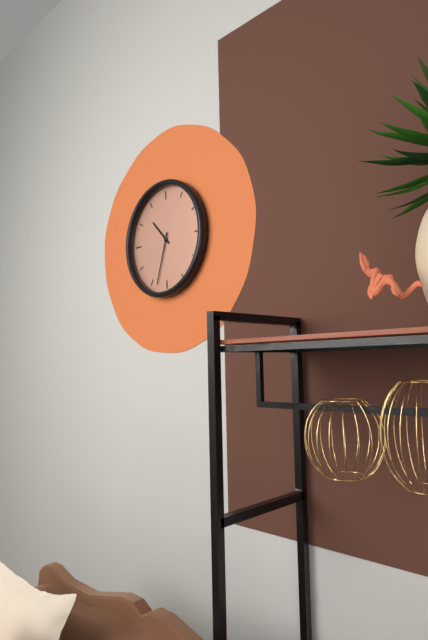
10:33
